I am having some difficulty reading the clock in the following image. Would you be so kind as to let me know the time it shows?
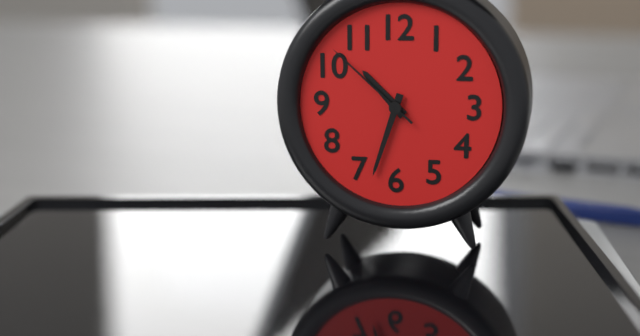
10:33:52
